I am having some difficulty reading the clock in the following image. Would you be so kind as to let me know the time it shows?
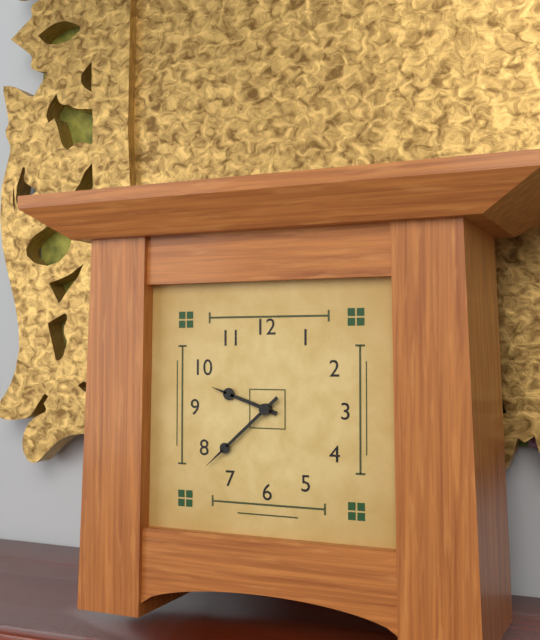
9:38
